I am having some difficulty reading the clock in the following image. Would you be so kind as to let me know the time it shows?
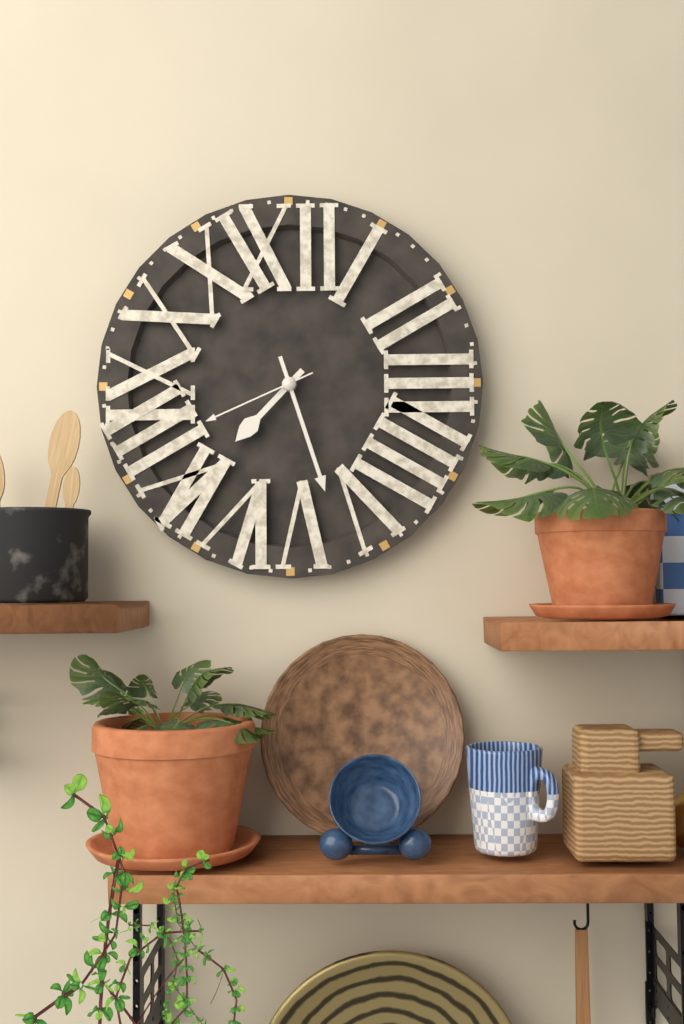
7:27:41
